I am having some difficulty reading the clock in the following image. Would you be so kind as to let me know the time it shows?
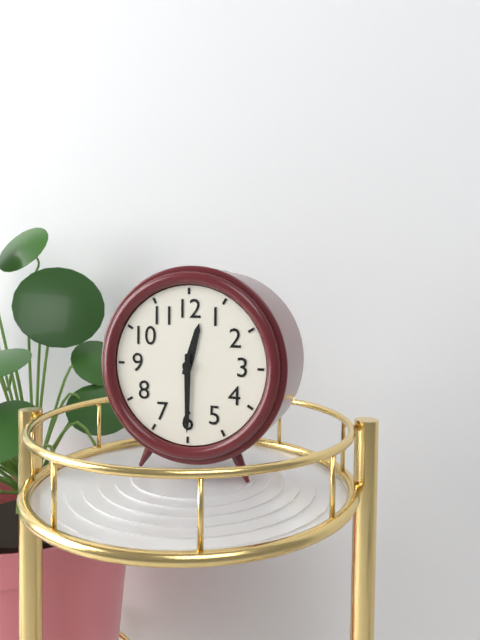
12:30
